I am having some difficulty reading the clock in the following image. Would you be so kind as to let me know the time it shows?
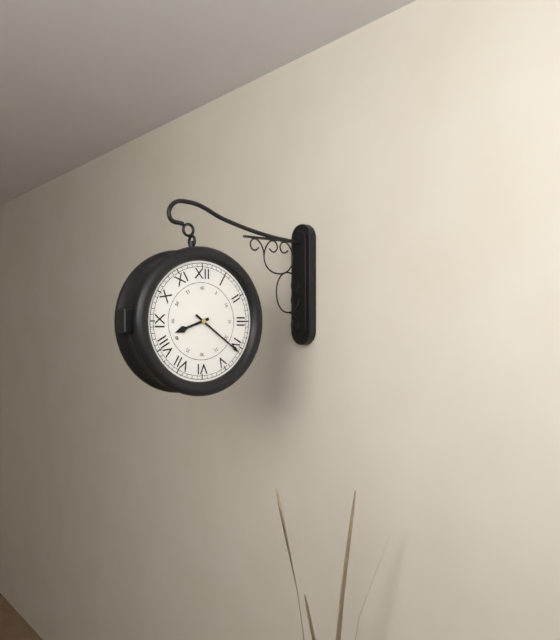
8:21
